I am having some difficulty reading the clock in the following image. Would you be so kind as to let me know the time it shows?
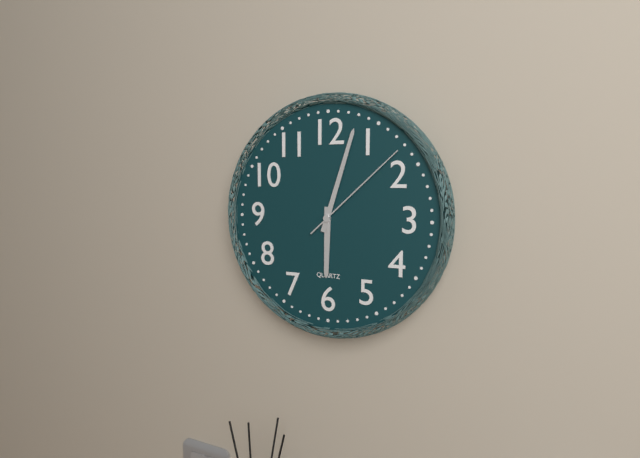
6:03:08
